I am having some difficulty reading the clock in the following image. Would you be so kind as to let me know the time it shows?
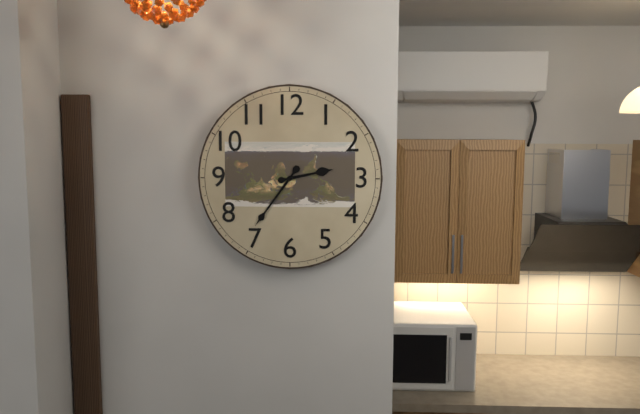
2:36
